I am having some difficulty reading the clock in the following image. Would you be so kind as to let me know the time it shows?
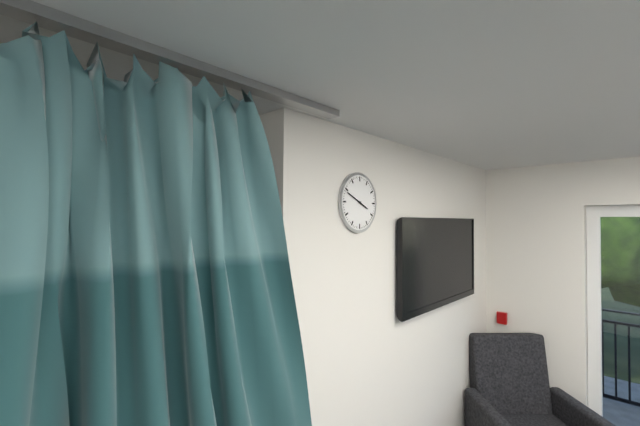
3:49
